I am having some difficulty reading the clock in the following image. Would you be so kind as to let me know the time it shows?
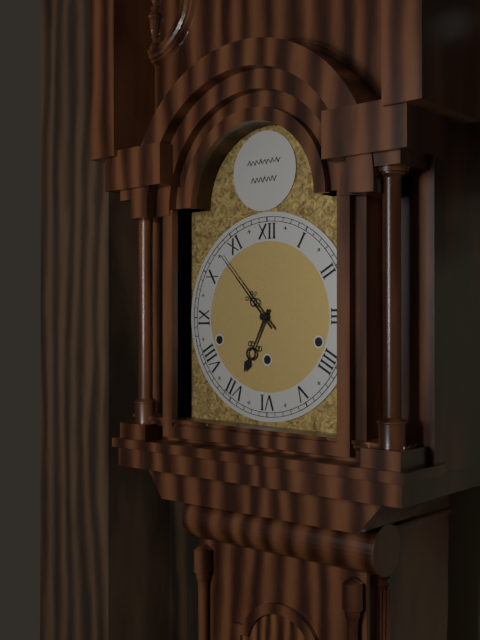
6:53
